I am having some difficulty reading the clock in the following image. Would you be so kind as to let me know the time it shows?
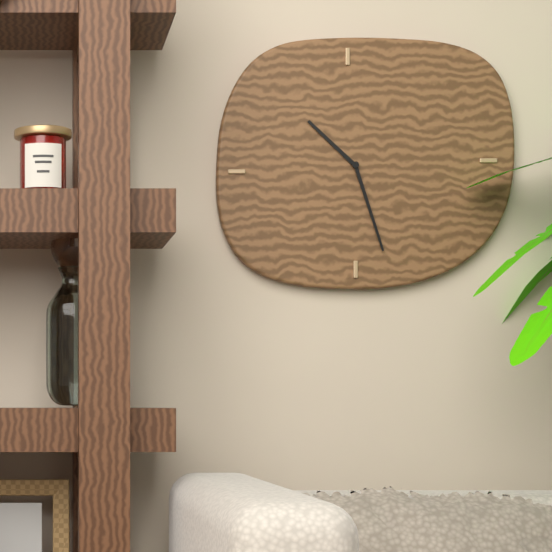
10:27
